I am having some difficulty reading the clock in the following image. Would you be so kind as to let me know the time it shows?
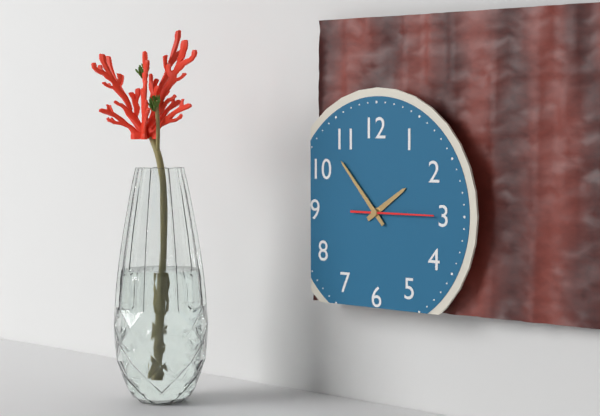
1:53:15
